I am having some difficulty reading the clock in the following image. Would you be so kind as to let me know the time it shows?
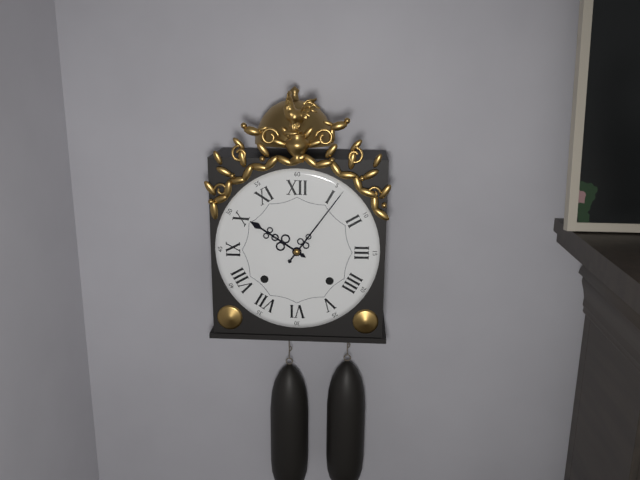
10:06
